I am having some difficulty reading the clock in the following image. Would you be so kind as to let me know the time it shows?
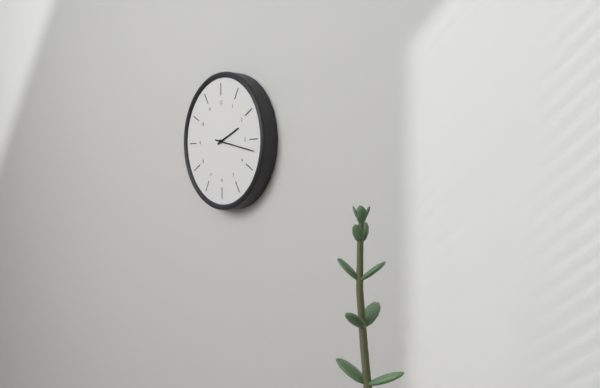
2:17
